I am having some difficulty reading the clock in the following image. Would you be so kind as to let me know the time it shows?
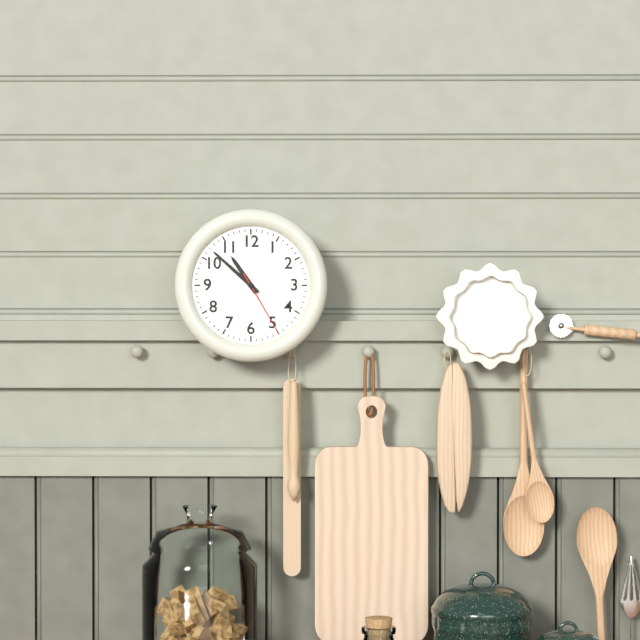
10:52:25
